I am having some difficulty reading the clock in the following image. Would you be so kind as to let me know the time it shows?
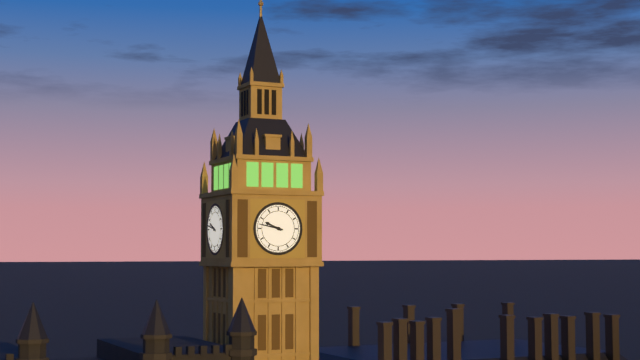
9:47
